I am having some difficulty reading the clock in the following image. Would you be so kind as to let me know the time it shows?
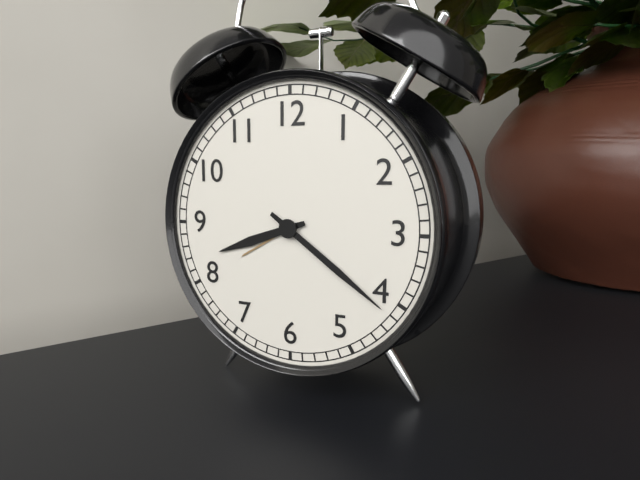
8:21
